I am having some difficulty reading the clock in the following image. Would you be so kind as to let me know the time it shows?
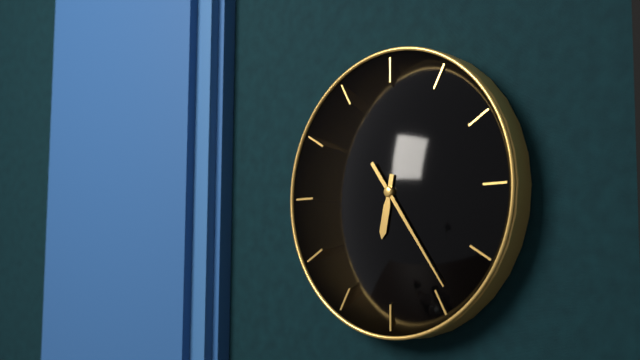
6:24
